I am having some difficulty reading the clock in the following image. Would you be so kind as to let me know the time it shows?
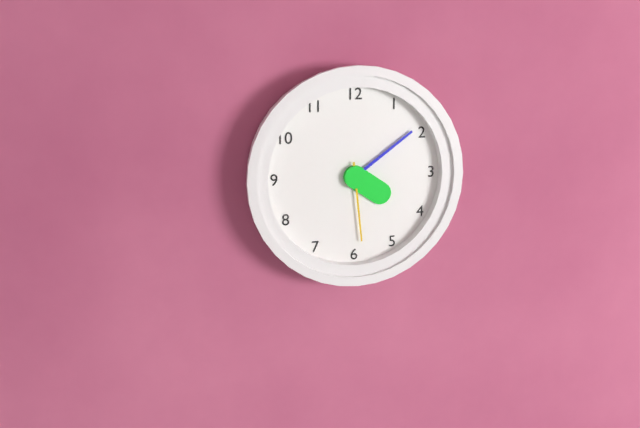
4:09:29
